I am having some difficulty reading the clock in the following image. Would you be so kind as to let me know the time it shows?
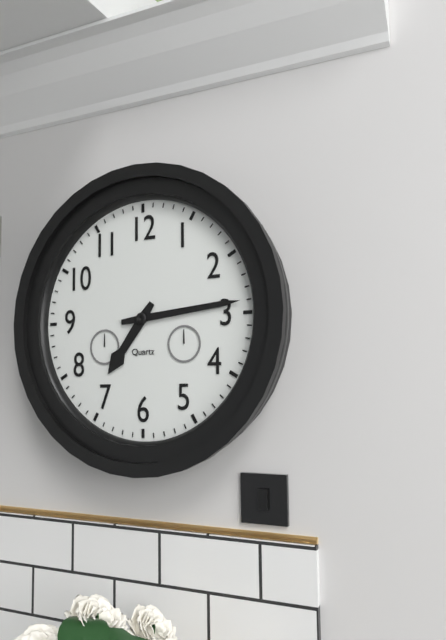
7:14
